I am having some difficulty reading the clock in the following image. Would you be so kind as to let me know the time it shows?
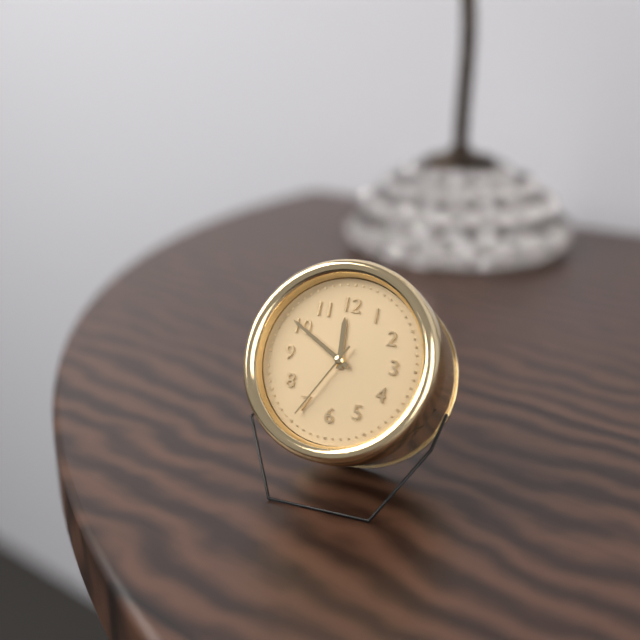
11:50:35
